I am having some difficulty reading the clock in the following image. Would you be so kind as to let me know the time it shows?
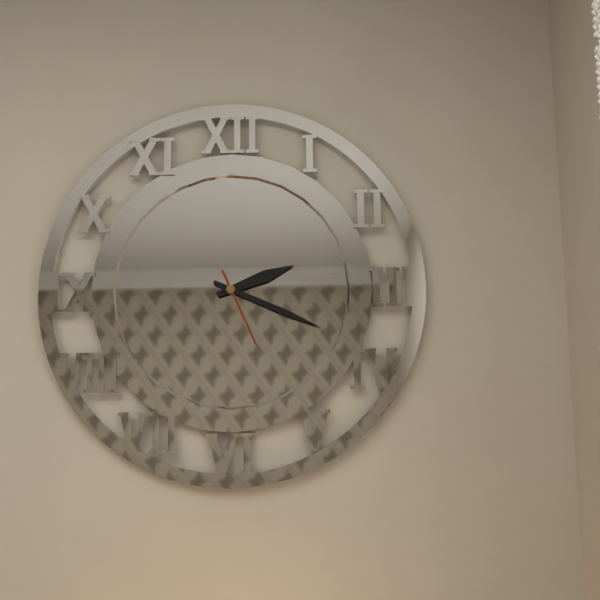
2:19:26
